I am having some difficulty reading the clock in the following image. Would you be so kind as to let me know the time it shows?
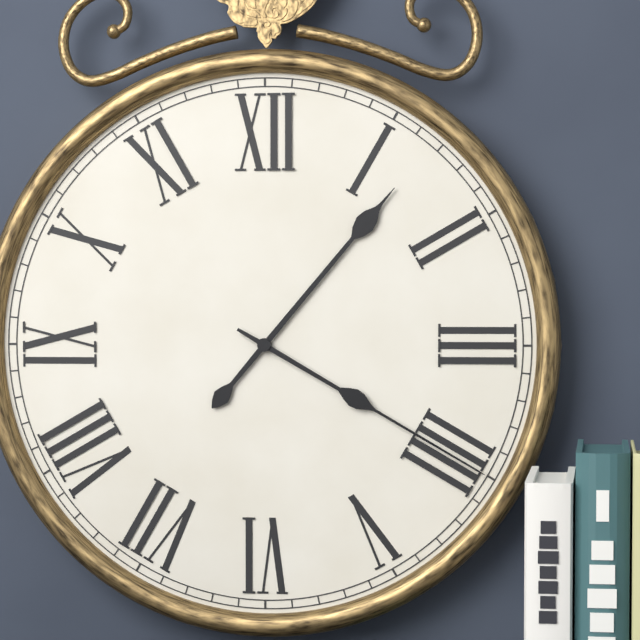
1:20
